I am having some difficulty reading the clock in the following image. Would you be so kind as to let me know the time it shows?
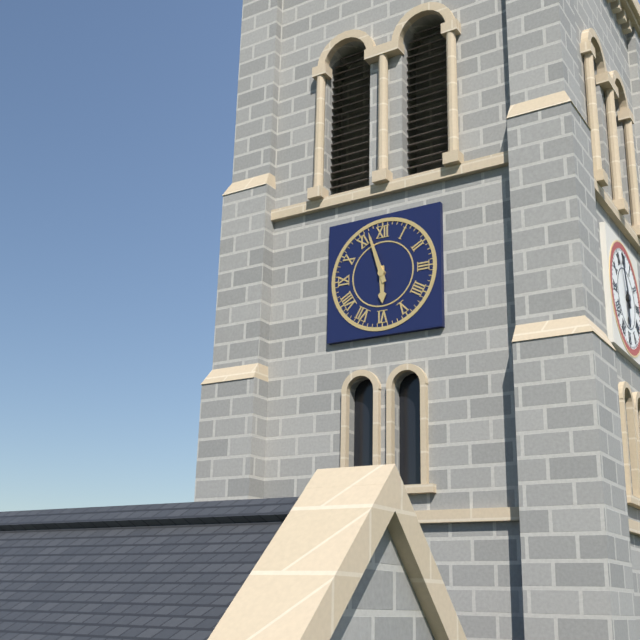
5:57
